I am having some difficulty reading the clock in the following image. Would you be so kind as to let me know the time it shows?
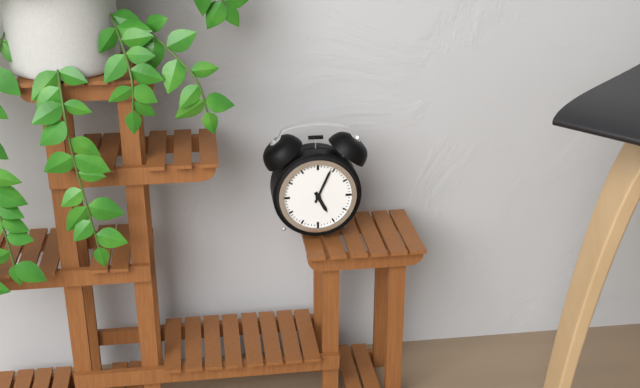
5:04
